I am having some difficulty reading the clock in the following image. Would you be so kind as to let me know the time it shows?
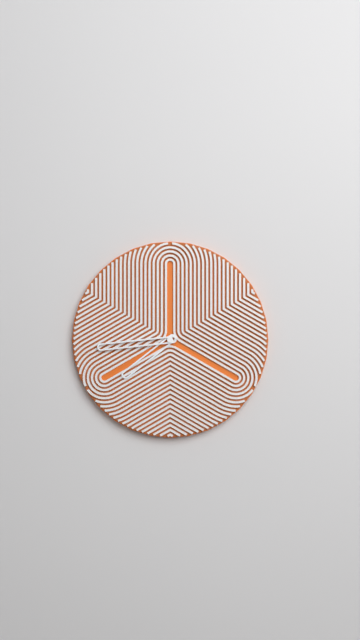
7:44
